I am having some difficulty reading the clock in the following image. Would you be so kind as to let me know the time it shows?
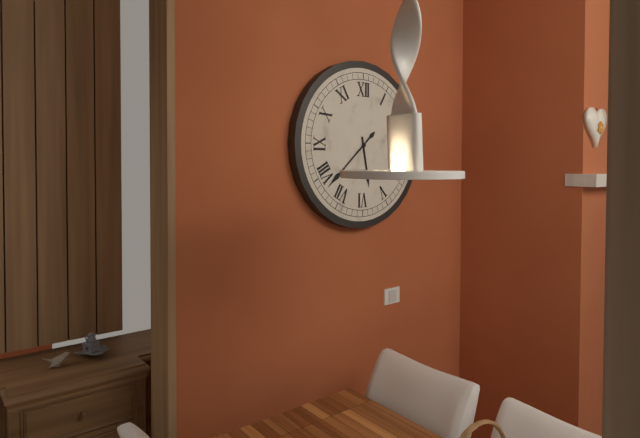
5:38
